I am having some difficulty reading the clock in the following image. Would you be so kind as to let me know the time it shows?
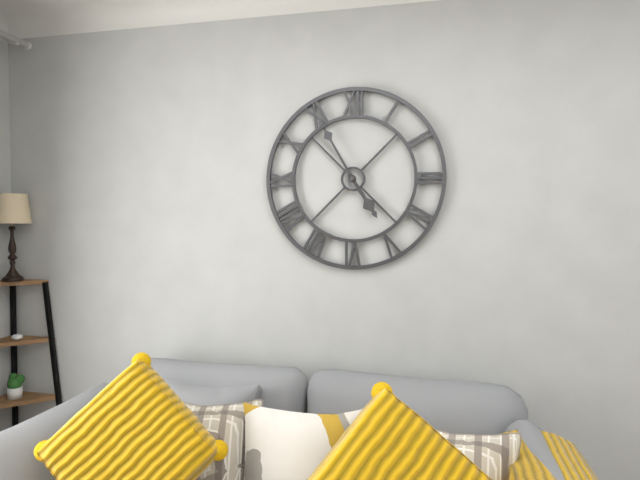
4:55
